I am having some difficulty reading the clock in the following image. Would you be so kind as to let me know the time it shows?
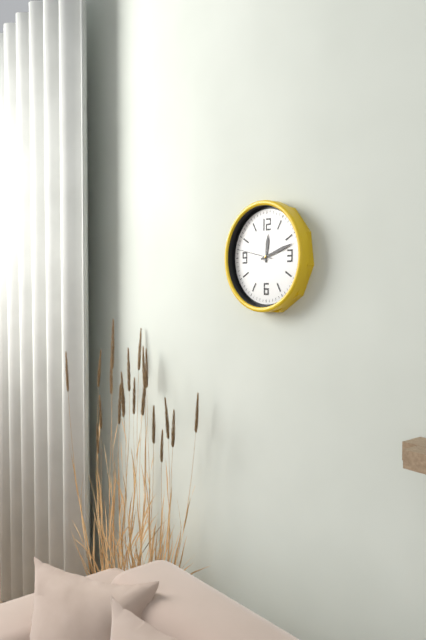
12:12
